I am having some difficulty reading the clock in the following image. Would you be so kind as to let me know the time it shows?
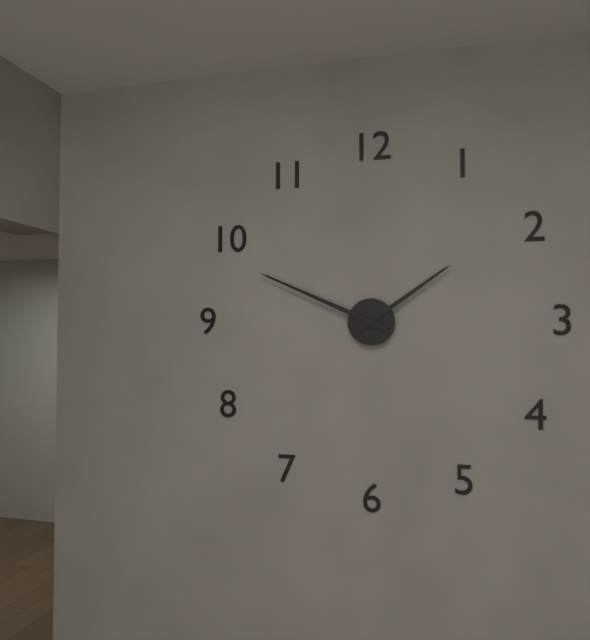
1:49
